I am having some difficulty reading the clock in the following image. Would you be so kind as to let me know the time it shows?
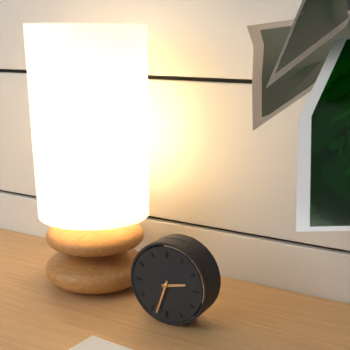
2:33
